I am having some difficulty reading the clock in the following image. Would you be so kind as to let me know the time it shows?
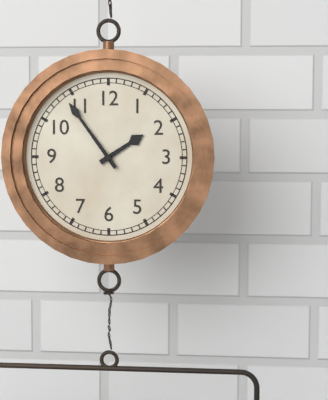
1:54
